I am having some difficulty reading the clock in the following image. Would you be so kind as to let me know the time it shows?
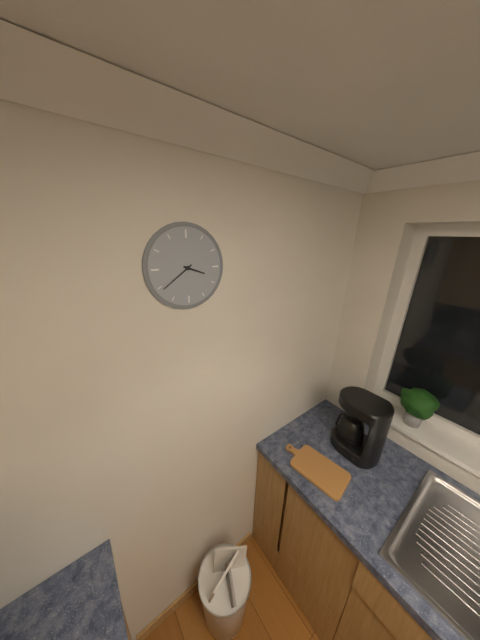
3:39
